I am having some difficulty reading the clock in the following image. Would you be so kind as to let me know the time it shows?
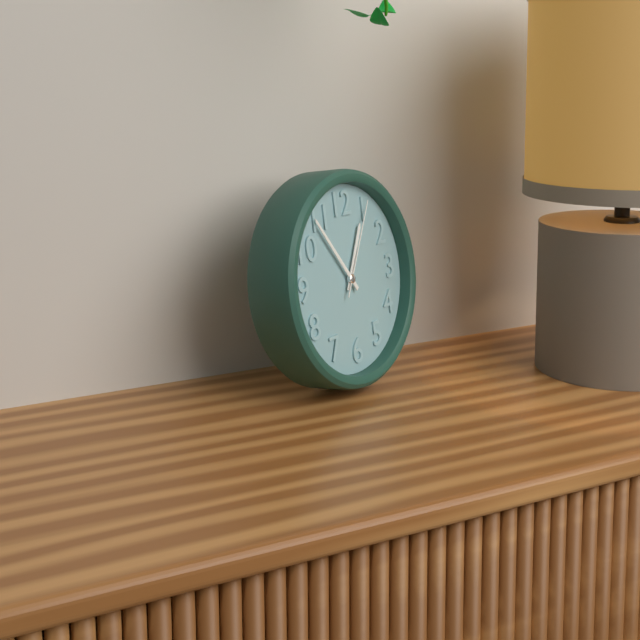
12:54:05
